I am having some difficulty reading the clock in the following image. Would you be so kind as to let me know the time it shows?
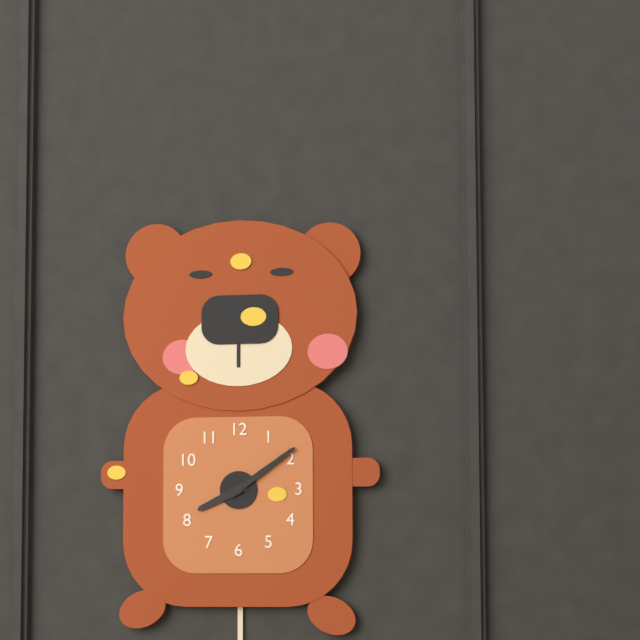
8:09
